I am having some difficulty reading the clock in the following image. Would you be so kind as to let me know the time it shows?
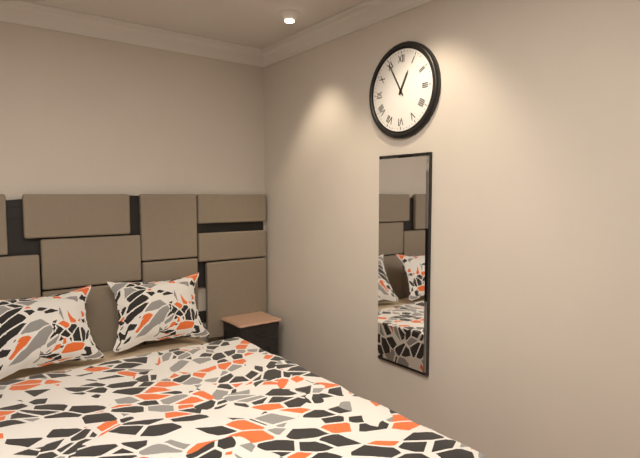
12:55
